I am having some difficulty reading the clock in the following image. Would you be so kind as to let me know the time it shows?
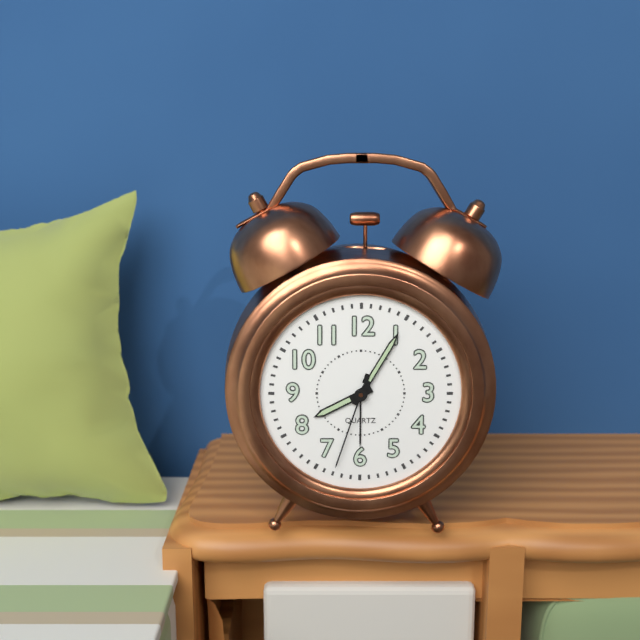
8:05:33
